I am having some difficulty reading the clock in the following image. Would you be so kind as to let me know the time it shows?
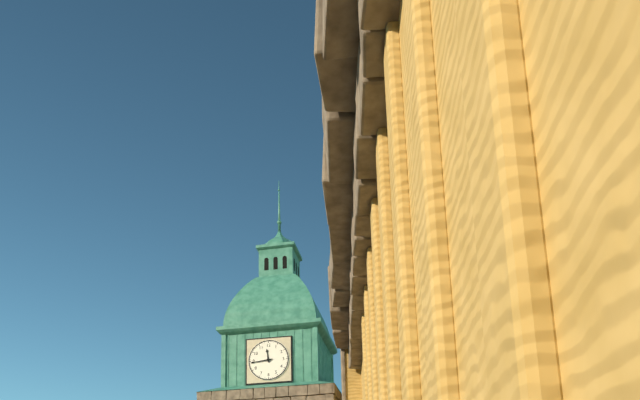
11:44
